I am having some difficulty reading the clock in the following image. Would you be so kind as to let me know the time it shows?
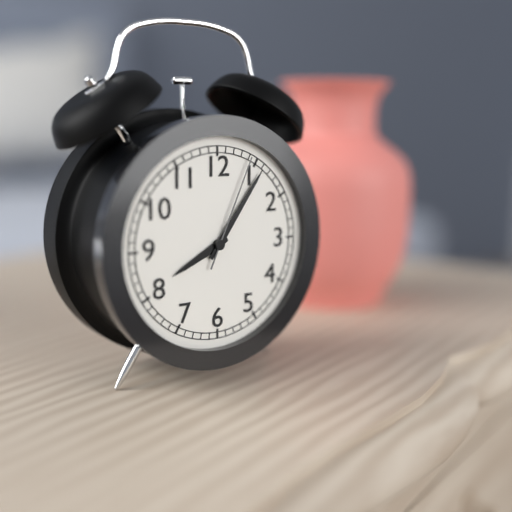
8:06:04
